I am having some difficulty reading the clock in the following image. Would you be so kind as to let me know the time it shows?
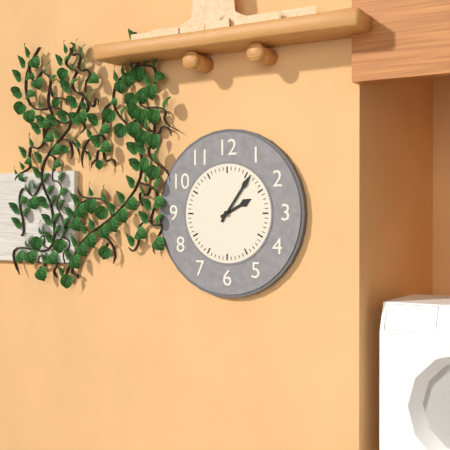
2:06
